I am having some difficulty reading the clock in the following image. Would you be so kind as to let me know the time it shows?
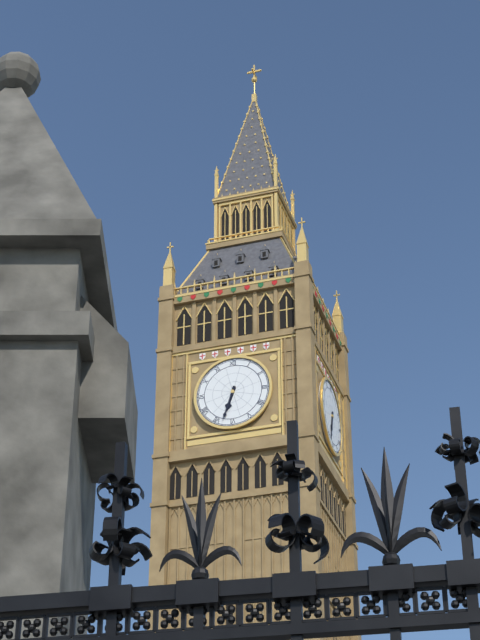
6:33
